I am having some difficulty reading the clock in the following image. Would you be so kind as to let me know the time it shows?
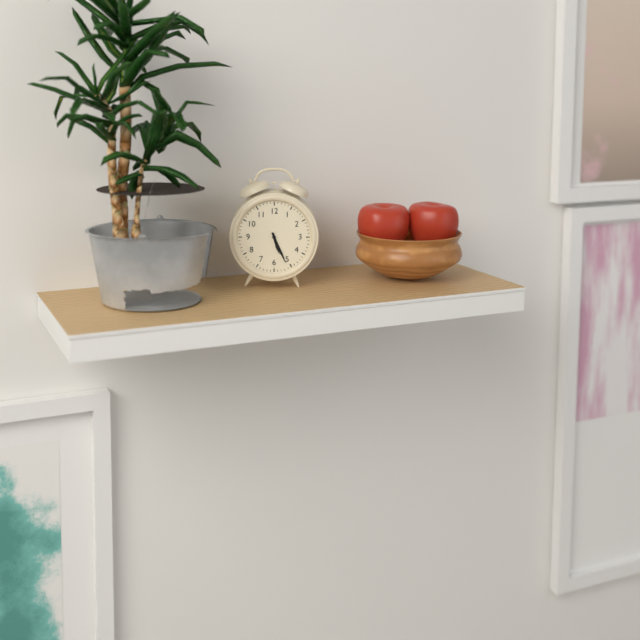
5:26
